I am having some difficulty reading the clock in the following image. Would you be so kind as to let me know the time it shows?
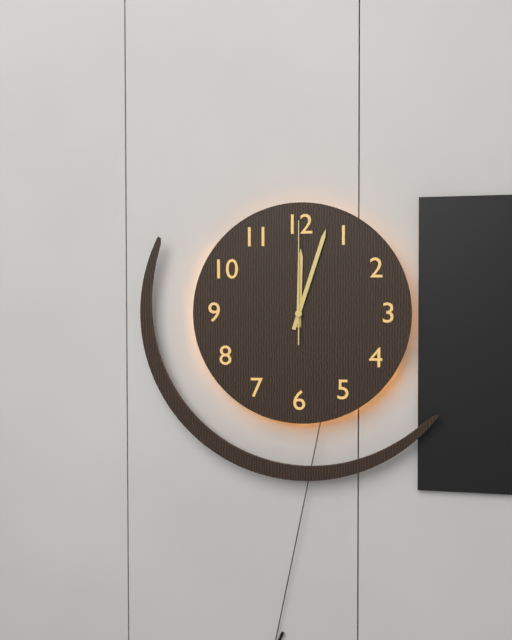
12:03:00
